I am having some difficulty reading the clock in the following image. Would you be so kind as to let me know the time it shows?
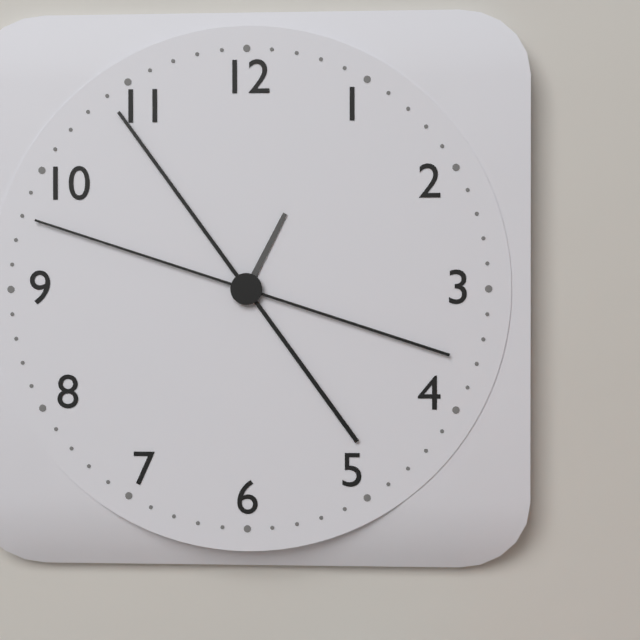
12:54:48
